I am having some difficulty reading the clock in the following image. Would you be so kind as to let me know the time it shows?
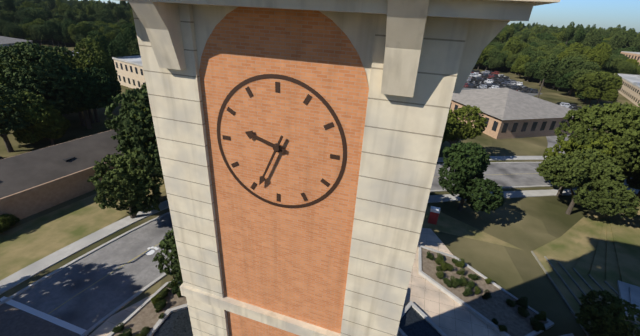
9:34
